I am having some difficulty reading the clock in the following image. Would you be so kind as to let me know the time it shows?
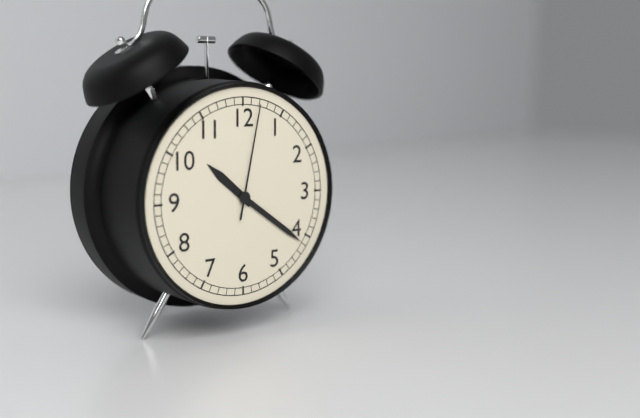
10:21:02
